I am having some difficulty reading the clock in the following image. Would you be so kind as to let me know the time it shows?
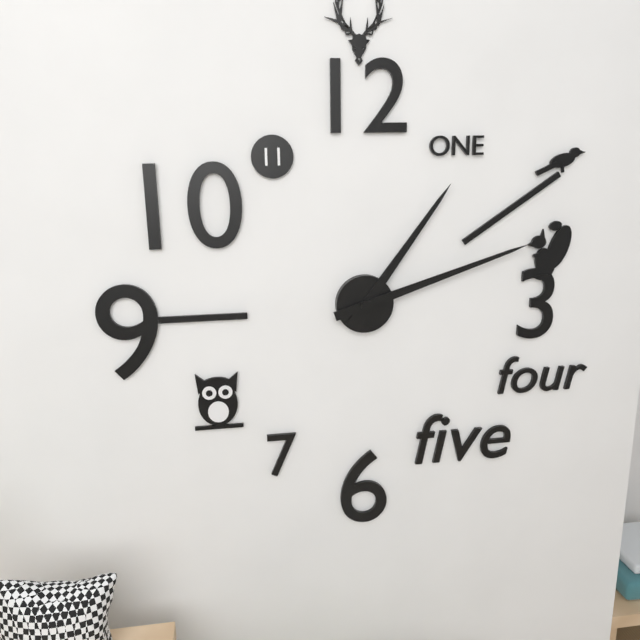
1:12
